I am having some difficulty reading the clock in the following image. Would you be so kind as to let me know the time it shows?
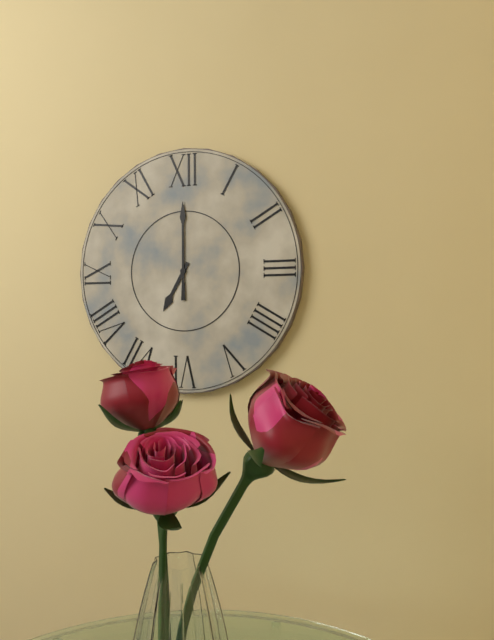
7:00
